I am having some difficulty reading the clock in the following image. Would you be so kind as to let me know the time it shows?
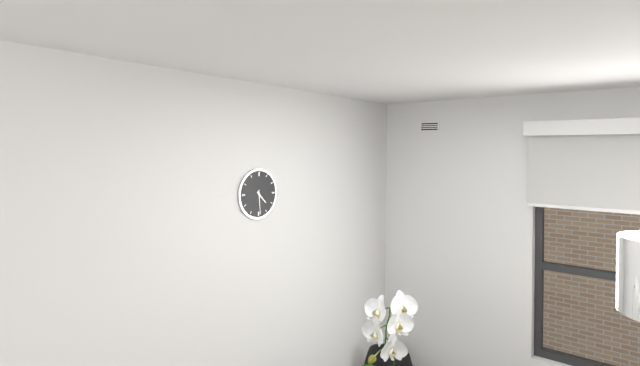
4:29
